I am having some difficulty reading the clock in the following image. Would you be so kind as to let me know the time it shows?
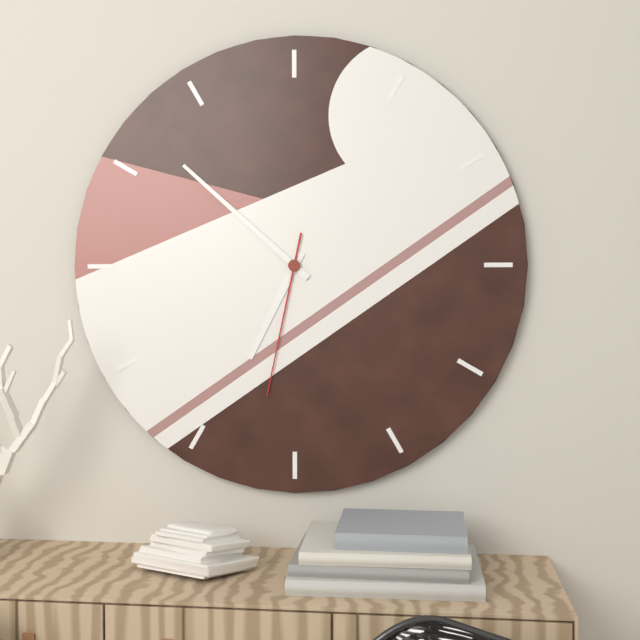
6:52:32
